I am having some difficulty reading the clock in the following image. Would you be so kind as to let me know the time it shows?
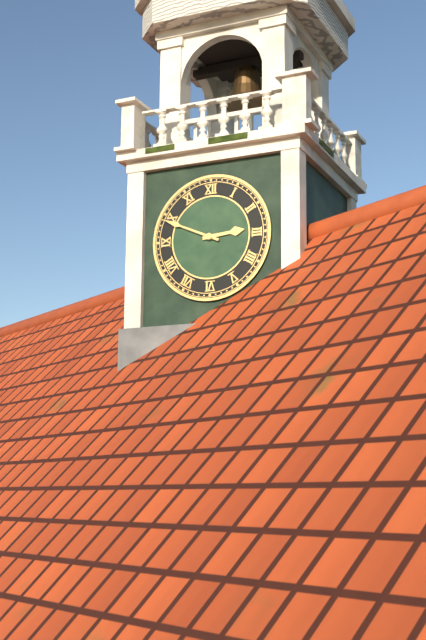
2:49
